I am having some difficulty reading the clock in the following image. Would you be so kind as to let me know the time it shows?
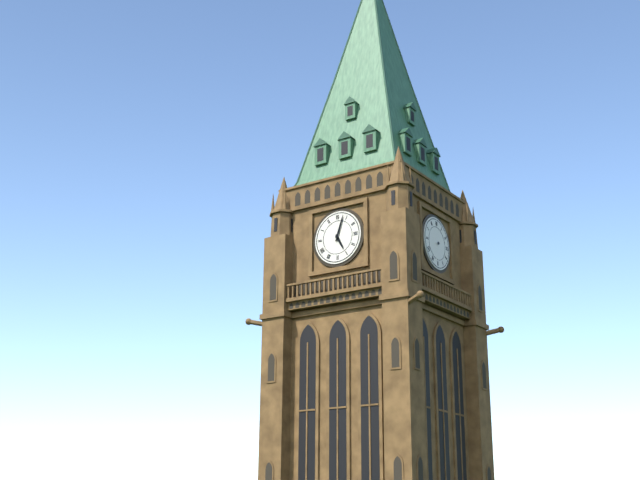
5:03
